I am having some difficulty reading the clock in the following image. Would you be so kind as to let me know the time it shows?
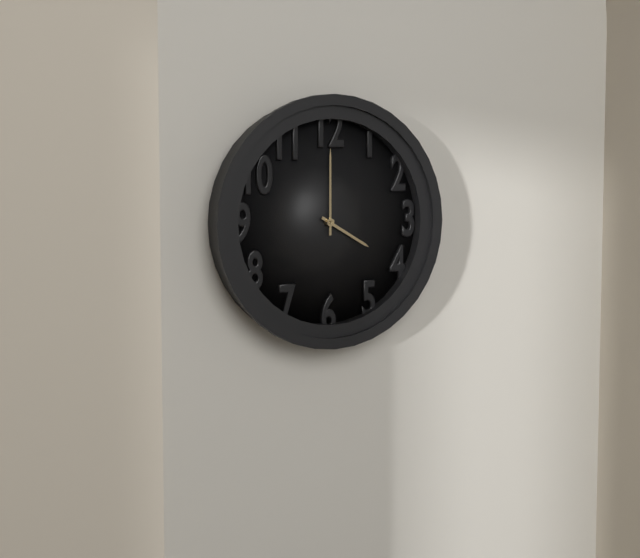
4:00
